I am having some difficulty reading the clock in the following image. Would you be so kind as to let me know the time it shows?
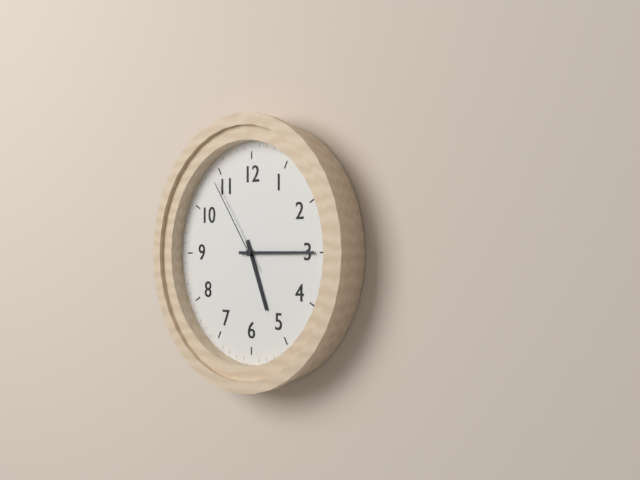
5:15:54
